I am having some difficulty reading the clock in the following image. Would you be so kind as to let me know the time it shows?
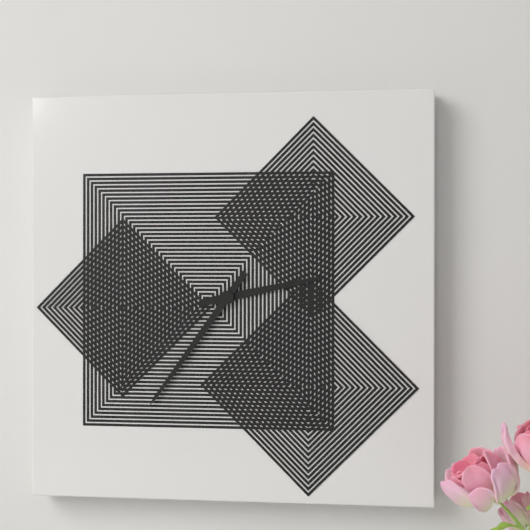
2:36
